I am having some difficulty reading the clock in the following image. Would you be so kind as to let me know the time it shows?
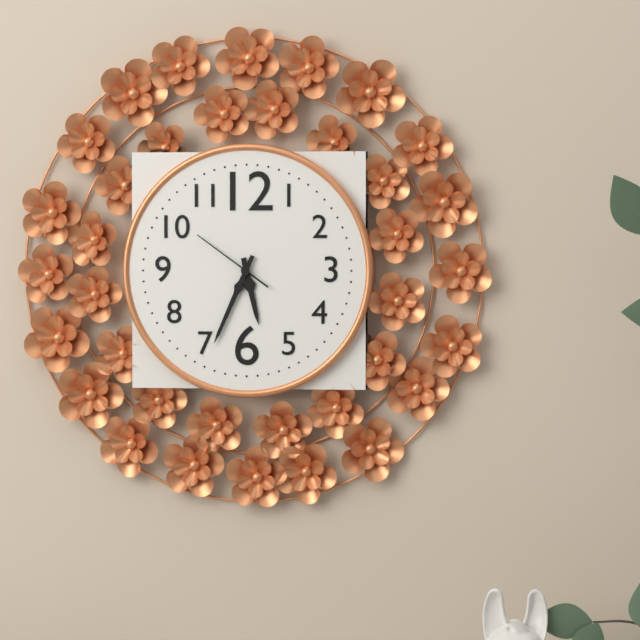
5:34:51
